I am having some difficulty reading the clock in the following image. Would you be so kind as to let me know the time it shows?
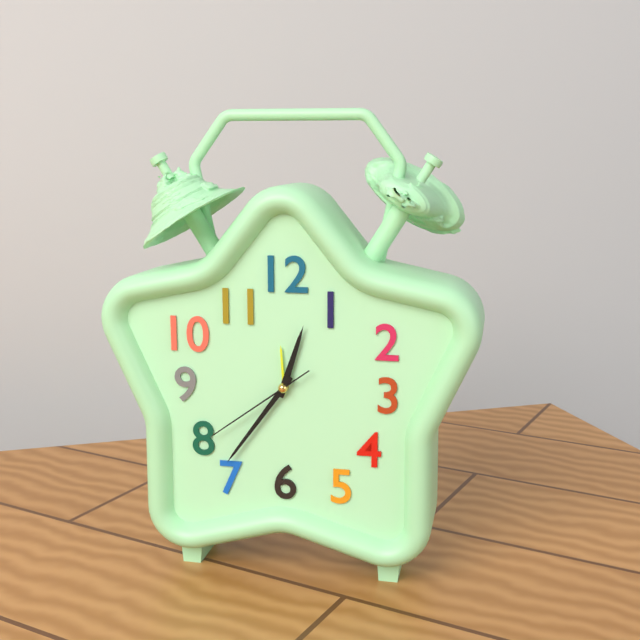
12:36:39
